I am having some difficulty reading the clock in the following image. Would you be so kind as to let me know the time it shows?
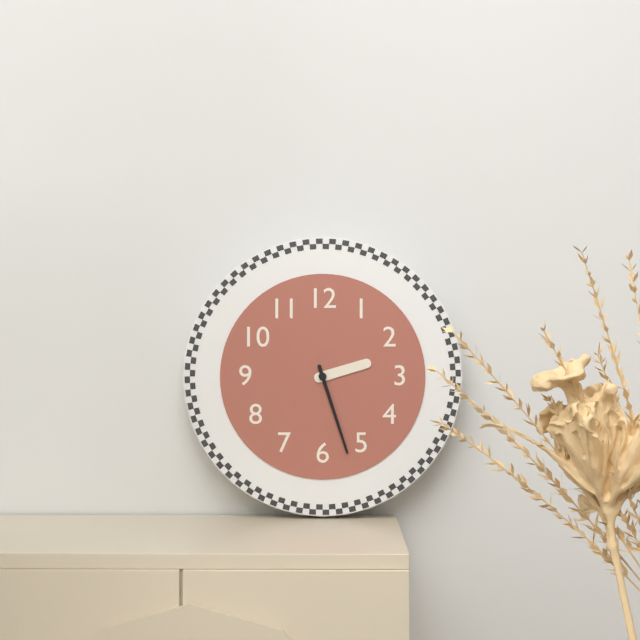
2:27
